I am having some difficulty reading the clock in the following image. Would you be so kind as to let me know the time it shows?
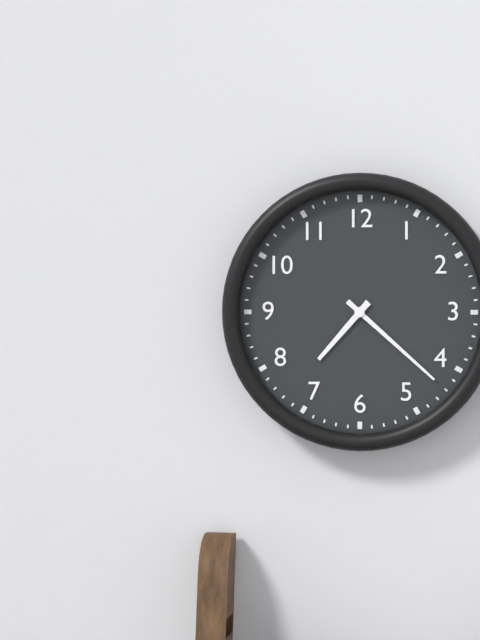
7:22
